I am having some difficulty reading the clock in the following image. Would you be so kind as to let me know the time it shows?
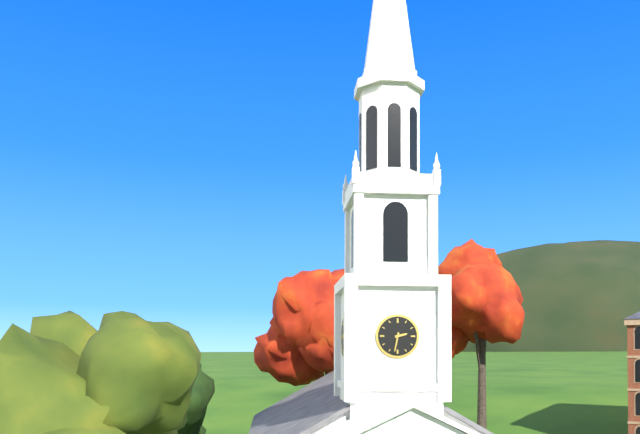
2:32
